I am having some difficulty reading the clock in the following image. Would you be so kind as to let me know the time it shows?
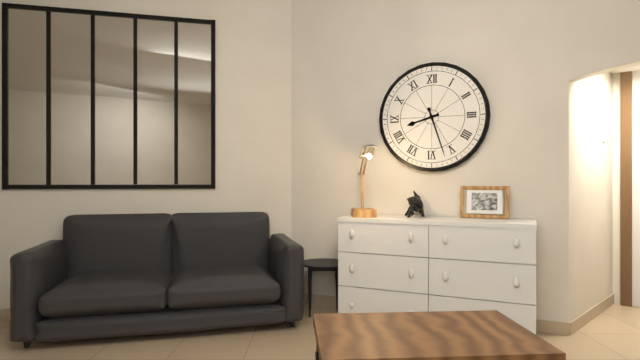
8:27
